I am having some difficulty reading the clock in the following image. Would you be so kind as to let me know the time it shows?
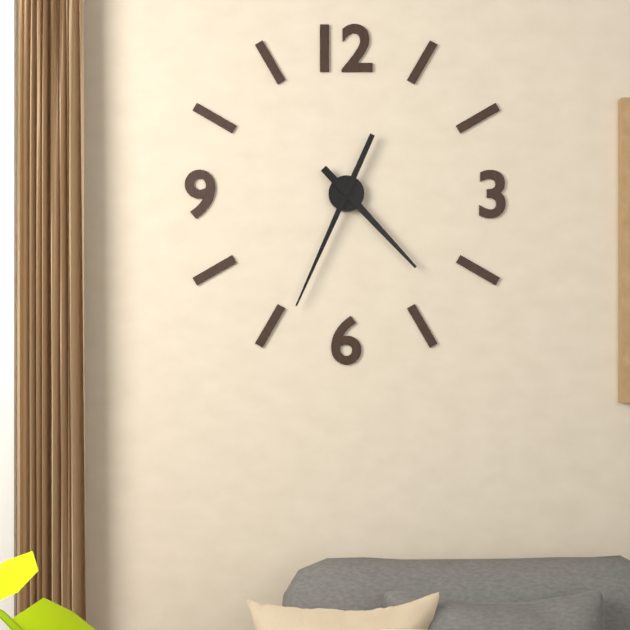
4:34
